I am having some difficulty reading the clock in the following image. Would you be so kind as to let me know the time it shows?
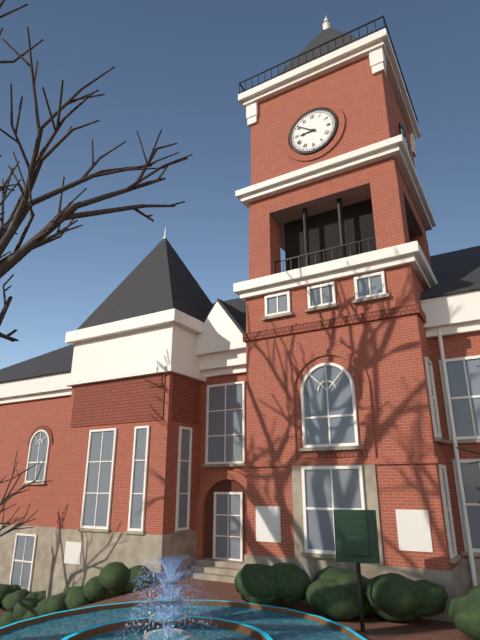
8:51
